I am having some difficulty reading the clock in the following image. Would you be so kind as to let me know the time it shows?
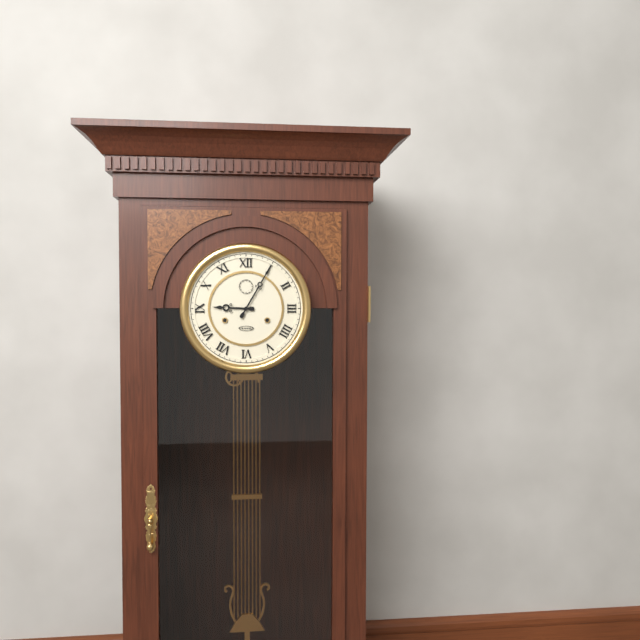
9:05
